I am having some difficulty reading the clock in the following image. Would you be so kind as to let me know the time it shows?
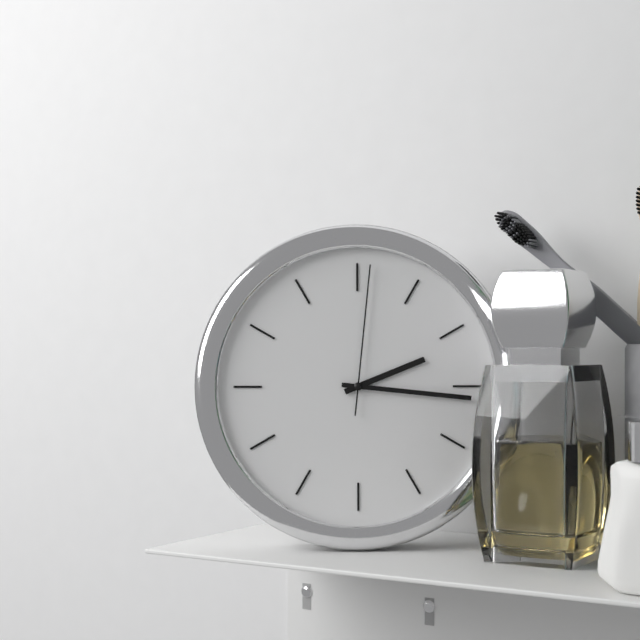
2:16:01
